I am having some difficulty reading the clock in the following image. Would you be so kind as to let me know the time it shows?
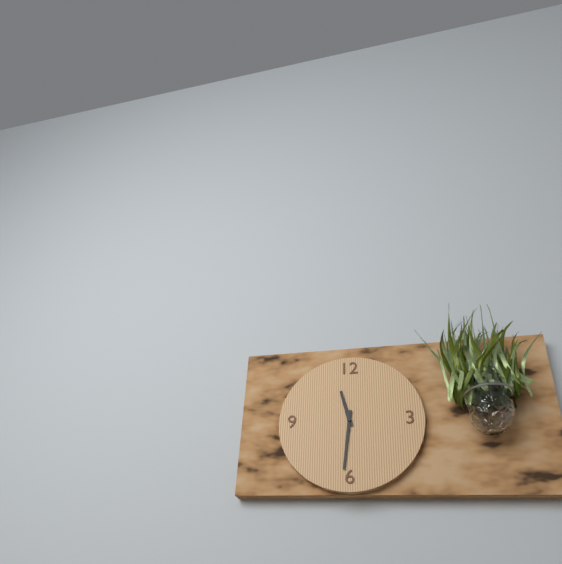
11:31
